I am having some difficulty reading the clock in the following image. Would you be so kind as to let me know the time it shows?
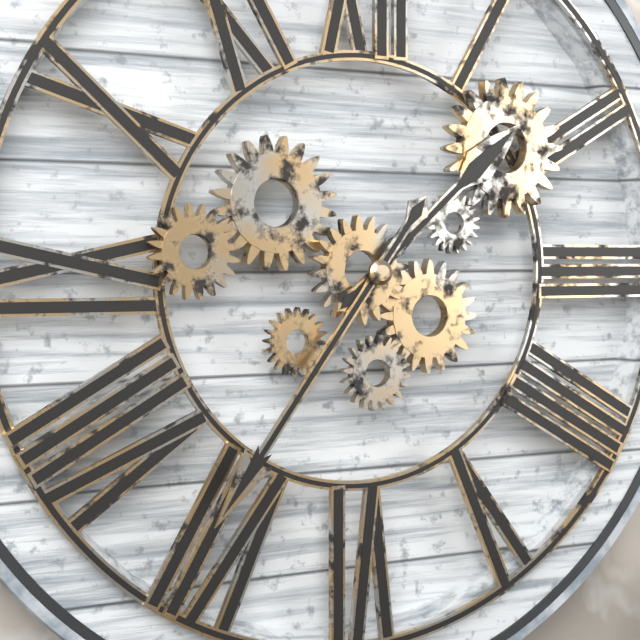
1:36
